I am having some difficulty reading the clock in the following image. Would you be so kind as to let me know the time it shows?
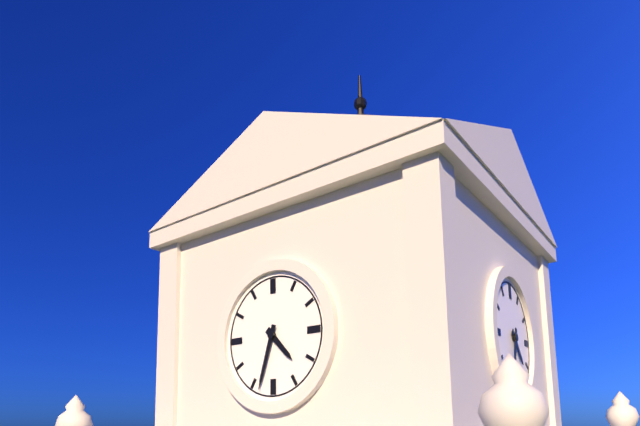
4:33
